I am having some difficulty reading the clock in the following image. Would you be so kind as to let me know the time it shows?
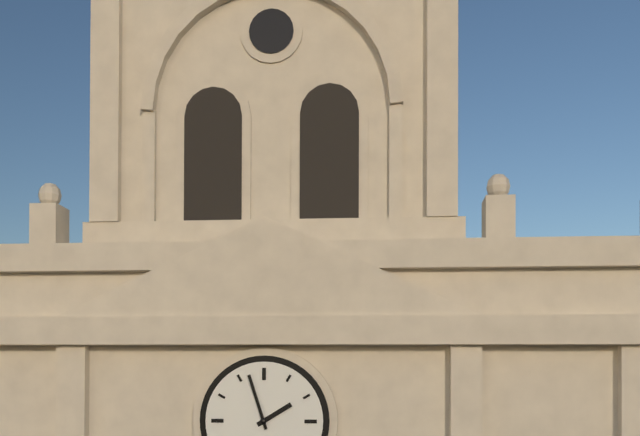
1:57
